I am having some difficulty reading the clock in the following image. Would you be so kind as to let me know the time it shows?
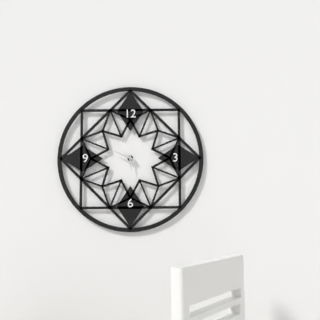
5:49
